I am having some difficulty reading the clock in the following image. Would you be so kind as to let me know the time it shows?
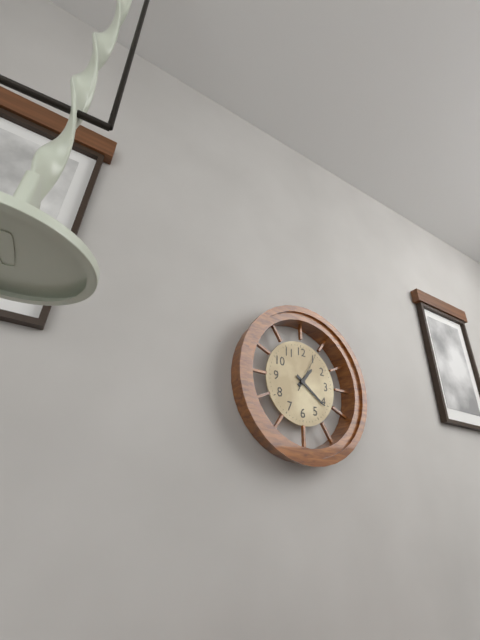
1:21
